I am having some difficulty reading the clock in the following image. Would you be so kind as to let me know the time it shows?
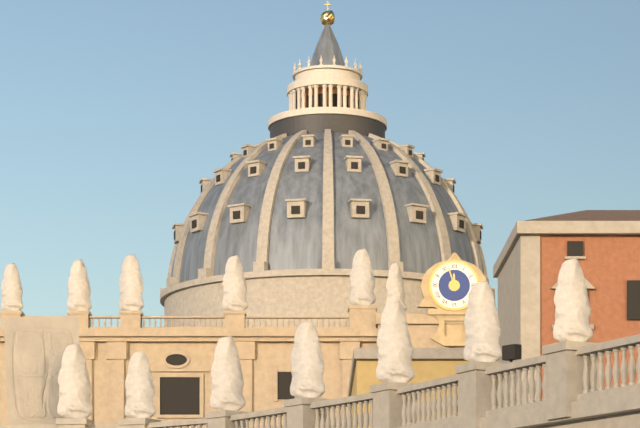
11:57
